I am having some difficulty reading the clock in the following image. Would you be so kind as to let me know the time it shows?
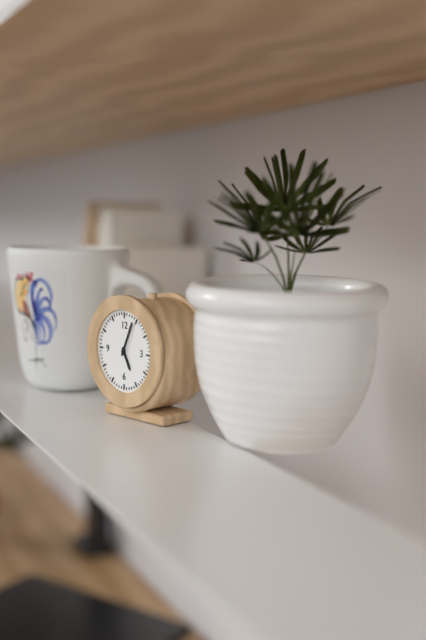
5:04
